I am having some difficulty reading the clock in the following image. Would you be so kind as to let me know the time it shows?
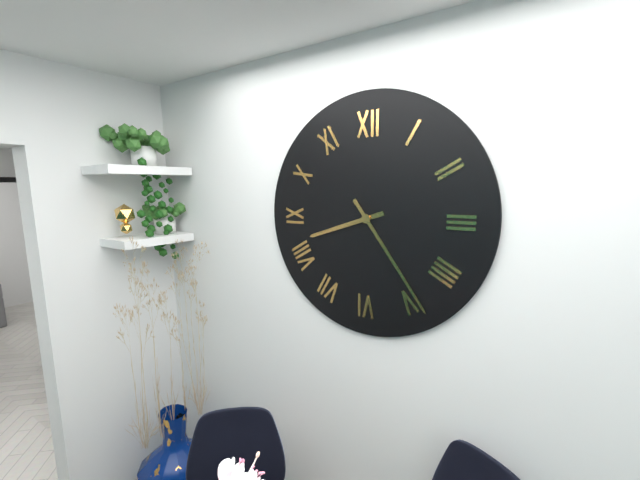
8:24
